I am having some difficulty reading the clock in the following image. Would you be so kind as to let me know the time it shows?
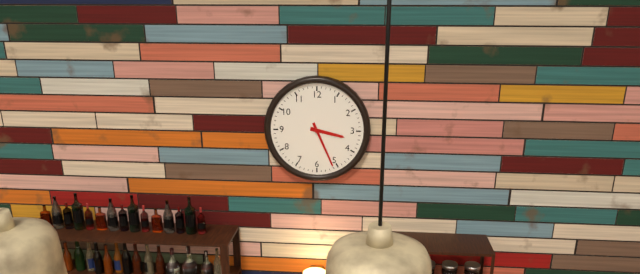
3:26
